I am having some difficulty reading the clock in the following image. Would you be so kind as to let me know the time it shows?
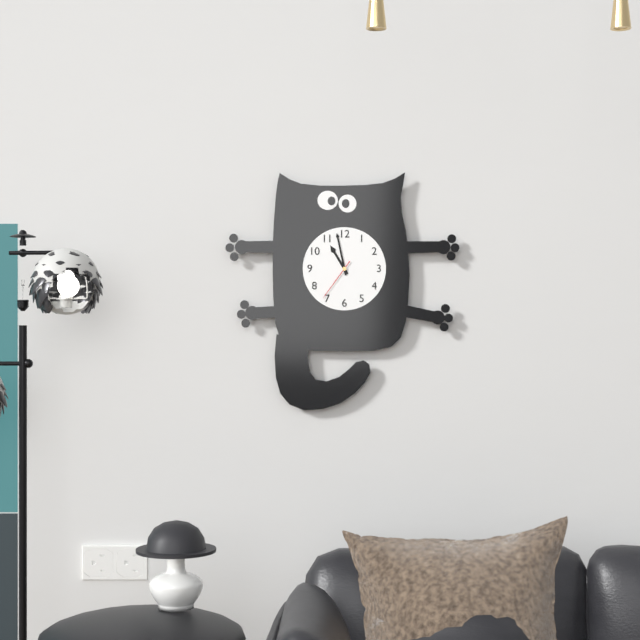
10:58
